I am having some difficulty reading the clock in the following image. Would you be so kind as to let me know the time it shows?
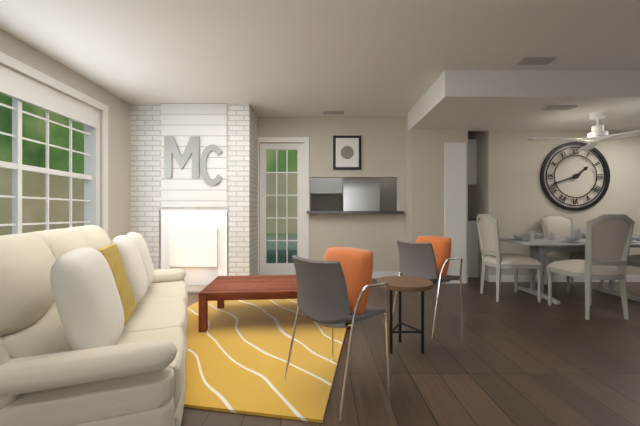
1:42
